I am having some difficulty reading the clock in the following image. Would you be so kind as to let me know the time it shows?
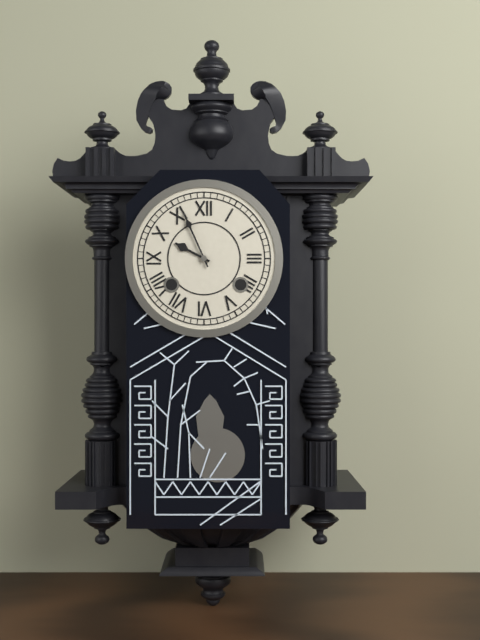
9:56
